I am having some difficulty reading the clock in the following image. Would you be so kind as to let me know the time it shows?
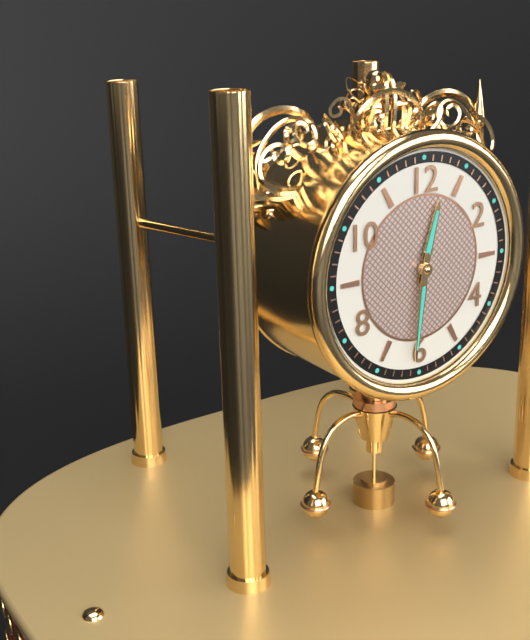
12:31
